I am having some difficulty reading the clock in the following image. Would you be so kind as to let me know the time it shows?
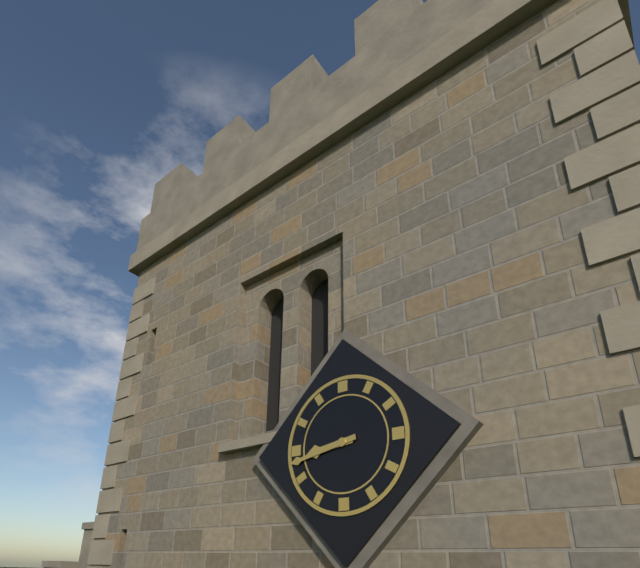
8:43
